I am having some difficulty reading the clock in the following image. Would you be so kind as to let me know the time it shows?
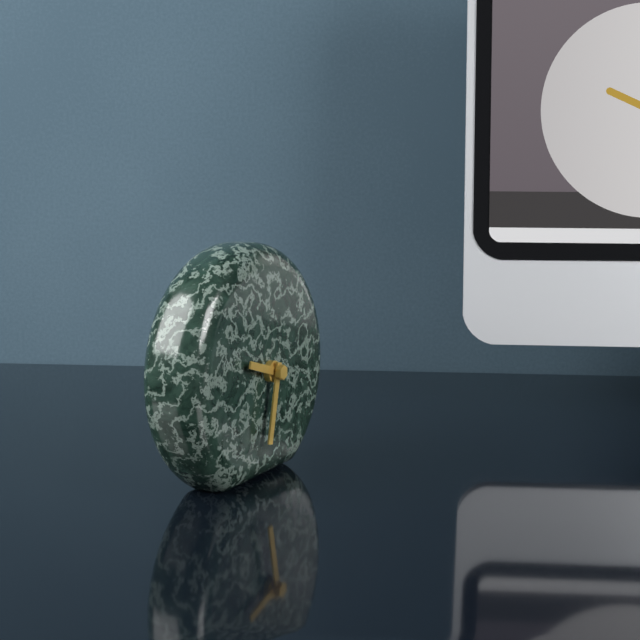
9:32
